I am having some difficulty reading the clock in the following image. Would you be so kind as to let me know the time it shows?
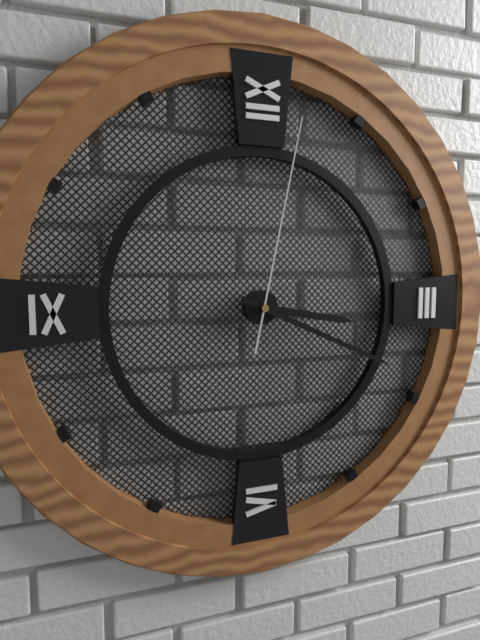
3:19:02
